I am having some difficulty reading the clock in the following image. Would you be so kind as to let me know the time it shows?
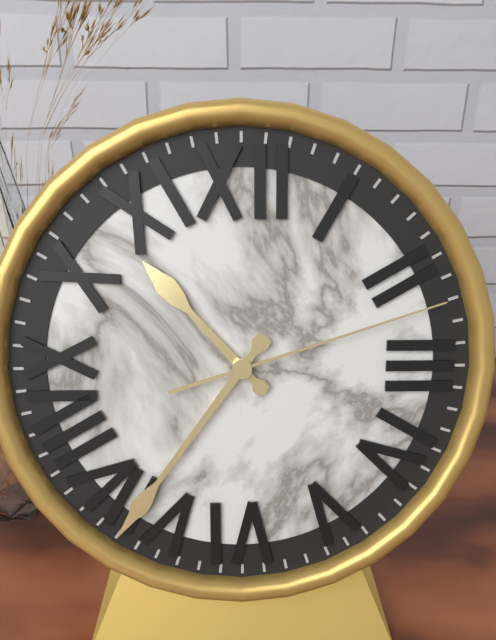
10:36:12
